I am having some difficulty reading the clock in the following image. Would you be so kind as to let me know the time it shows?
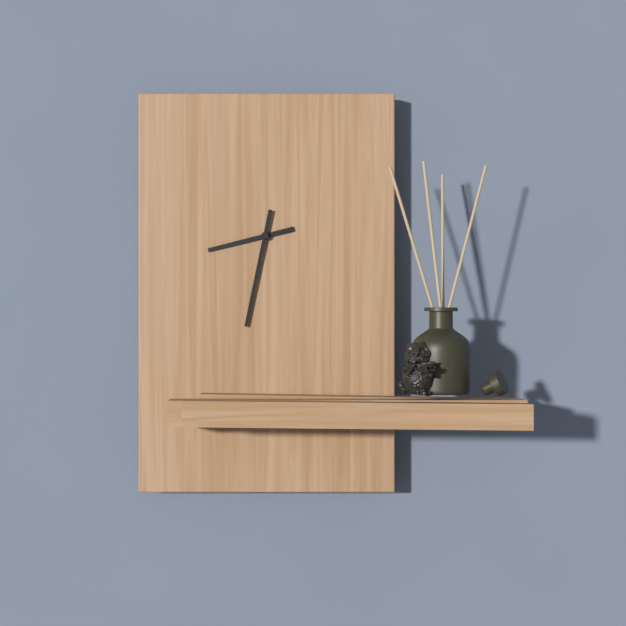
8:32
